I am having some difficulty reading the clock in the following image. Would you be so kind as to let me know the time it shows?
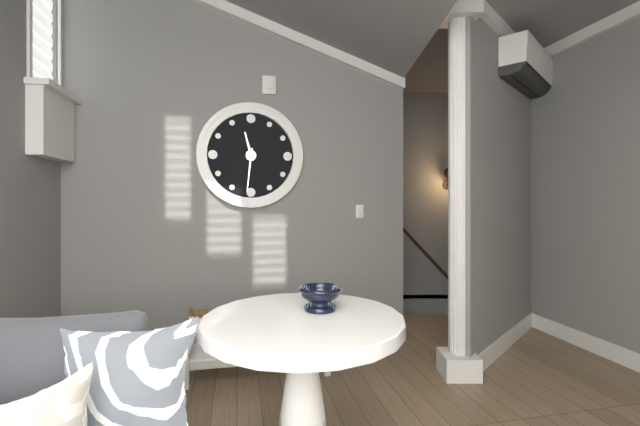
11:31
